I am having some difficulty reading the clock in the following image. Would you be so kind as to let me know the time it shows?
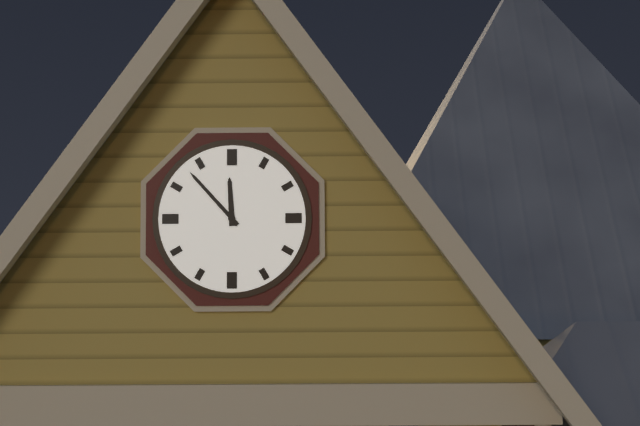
11:53
